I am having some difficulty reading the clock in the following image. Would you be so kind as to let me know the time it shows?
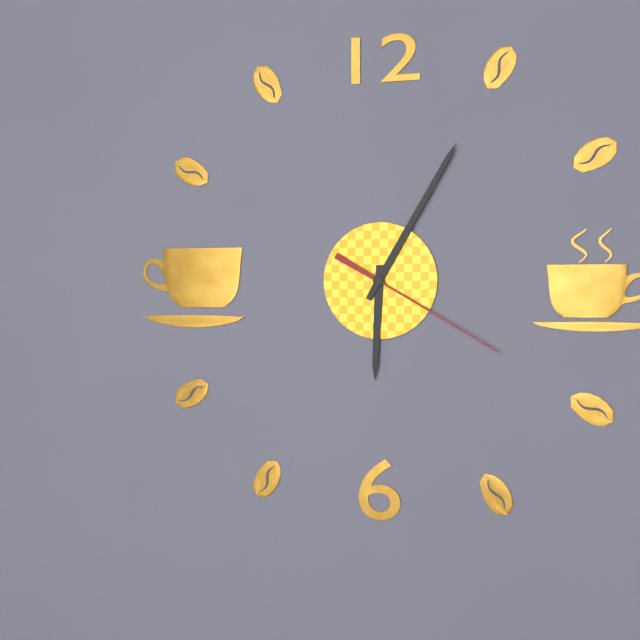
6:05:20
